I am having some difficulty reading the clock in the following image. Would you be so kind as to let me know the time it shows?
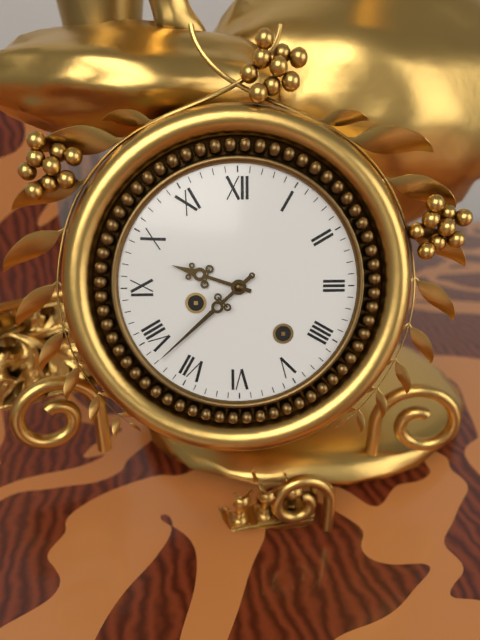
9:38
